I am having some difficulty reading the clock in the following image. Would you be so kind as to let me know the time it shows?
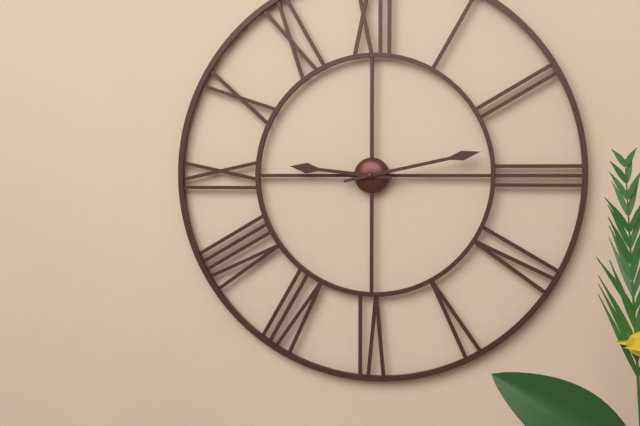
9:13
